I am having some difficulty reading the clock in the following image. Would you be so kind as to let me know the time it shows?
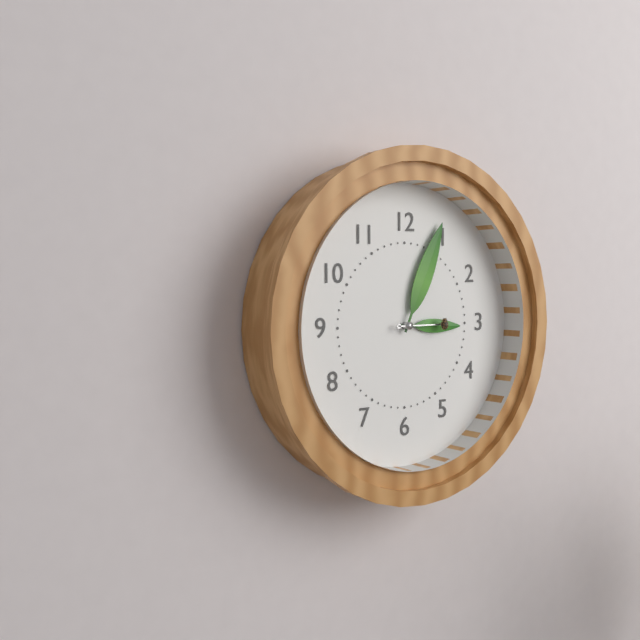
3:04
